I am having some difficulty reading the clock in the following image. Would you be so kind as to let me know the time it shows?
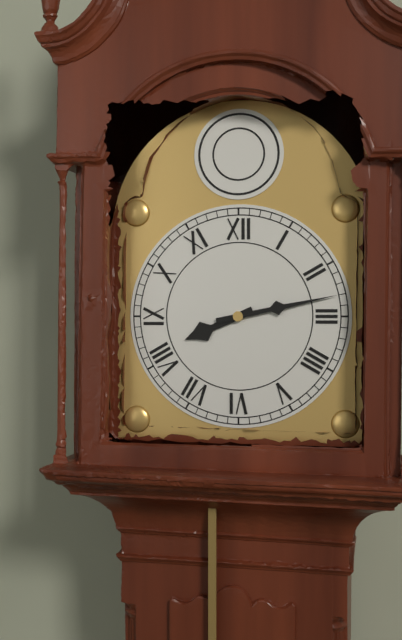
8:13
